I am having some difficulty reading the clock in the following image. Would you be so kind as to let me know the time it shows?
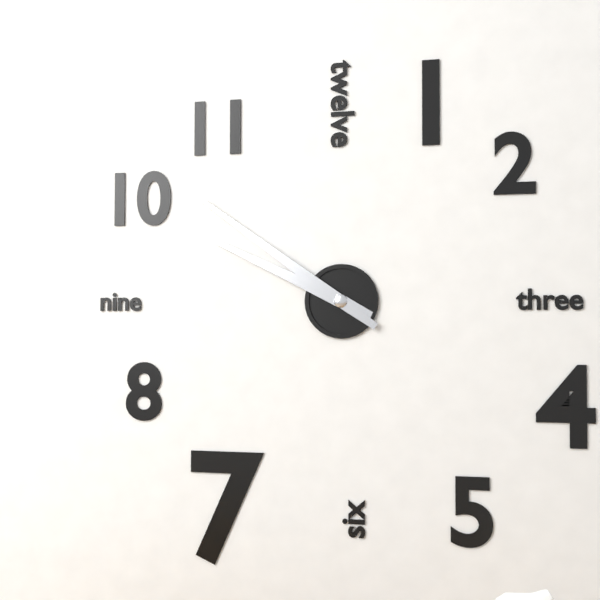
9:51
